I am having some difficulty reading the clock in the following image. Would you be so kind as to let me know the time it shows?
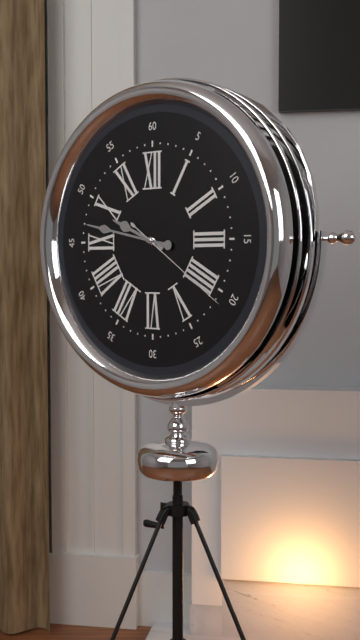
9:47:21
